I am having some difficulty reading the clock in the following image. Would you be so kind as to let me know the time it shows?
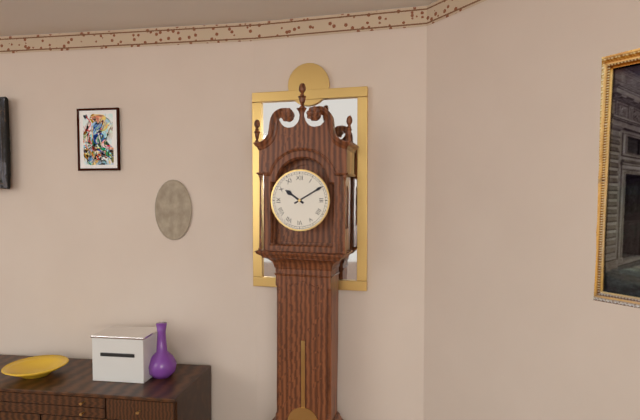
10:10
